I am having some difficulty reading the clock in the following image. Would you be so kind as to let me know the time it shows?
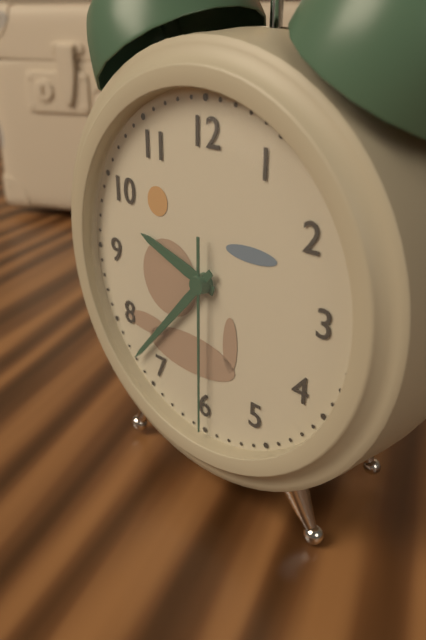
9:37:30
